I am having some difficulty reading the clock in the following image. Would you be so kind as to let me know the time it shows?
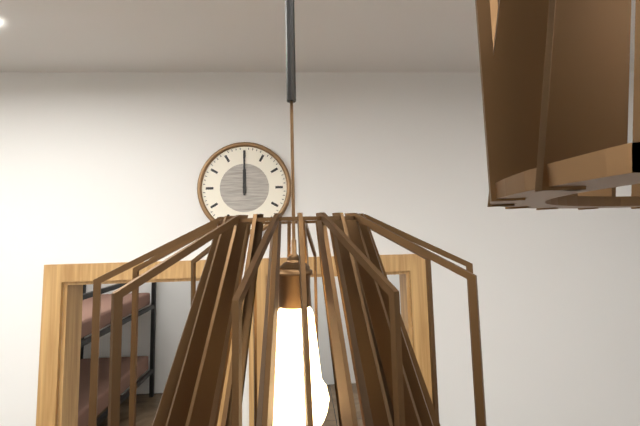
12:00
